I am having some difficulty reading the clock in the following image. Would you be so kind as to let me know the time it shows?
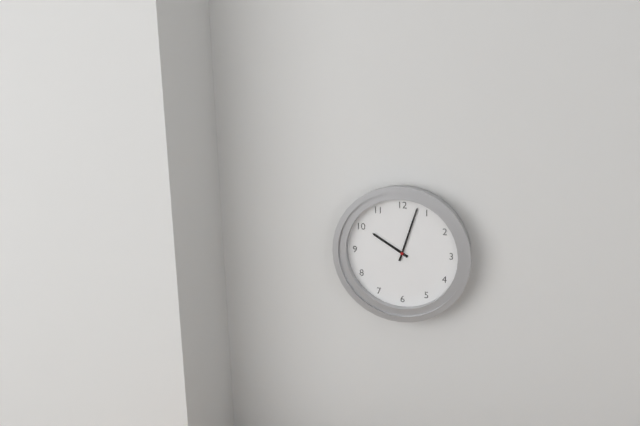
10:03
